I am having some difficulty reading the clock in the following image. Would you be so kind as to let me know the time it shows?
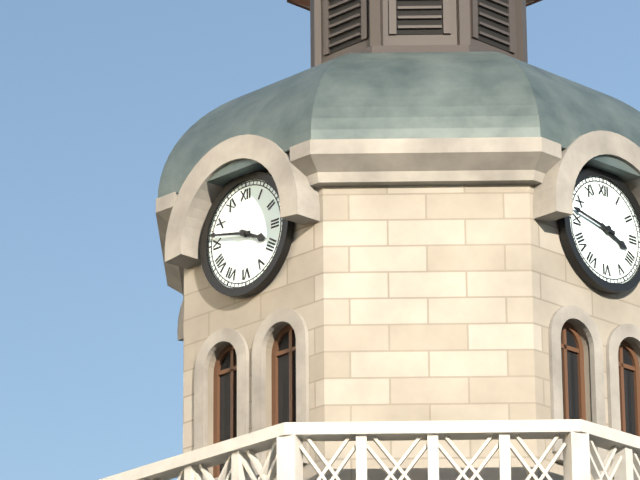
3:47
